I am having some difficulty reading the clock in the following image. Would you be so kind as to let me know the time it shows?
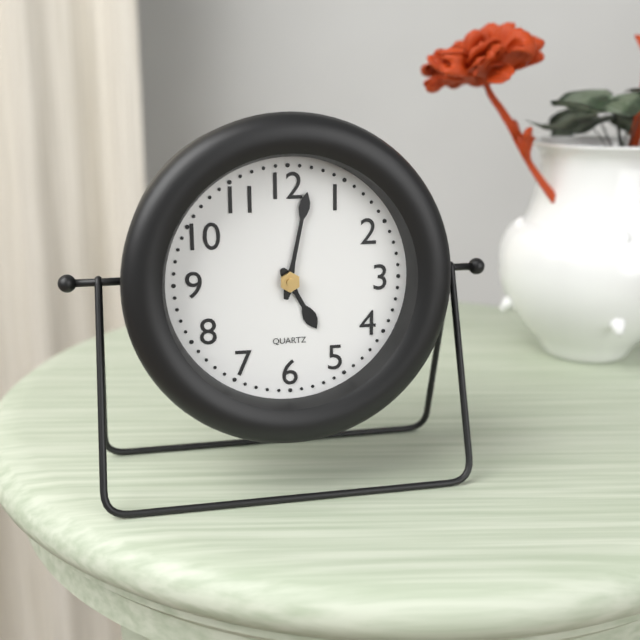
5:02
